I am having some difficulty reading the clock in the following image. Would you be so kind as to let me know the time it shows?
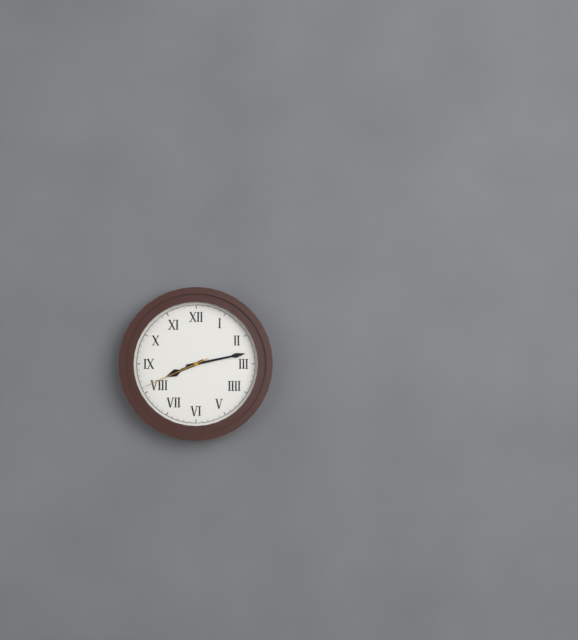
8:13:41
